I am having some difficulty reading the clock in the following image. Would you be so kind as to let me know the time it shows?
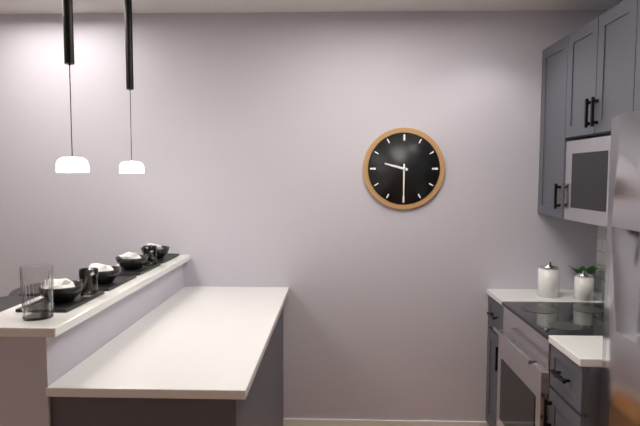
9:30
